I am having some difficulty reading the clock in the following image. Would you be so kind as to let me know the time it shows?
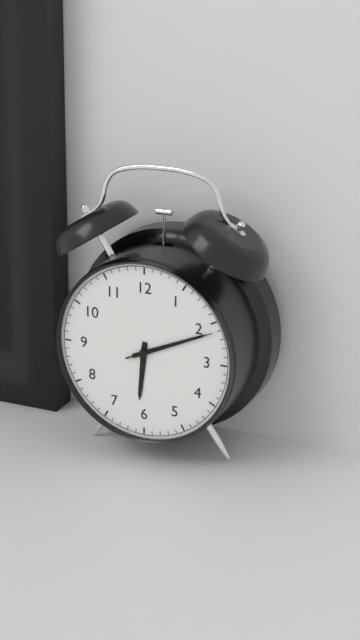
6:11:11
